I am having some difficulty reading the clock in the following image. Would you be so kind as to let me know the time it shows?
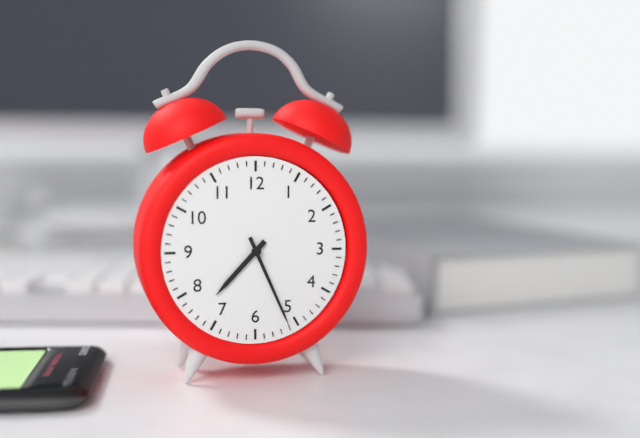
7:26
